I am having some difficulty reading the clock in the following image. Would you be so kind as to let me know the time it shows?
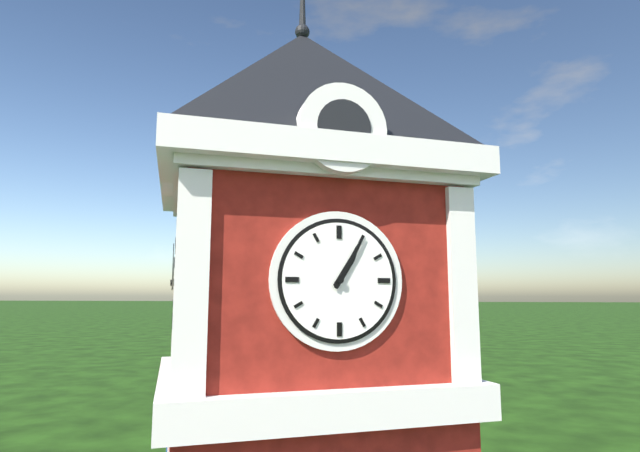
1:05
